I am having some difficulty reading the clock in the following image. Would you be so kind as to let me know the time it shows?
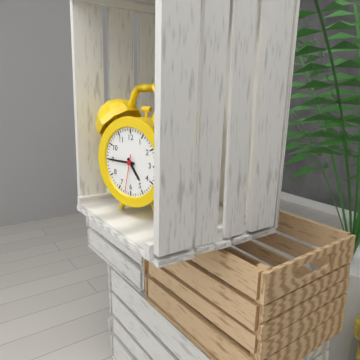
4:45
